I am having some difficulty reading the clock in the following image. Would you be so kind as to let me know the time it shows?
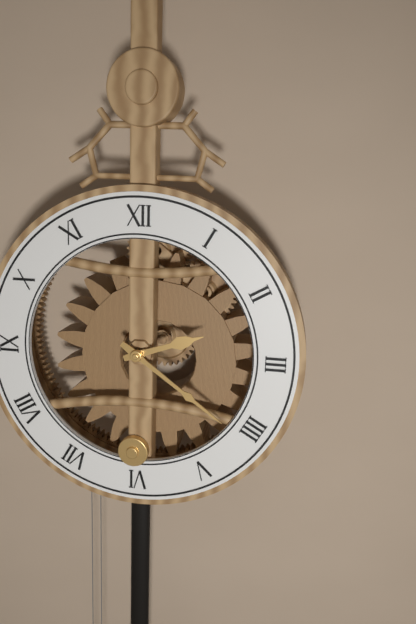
2:21
